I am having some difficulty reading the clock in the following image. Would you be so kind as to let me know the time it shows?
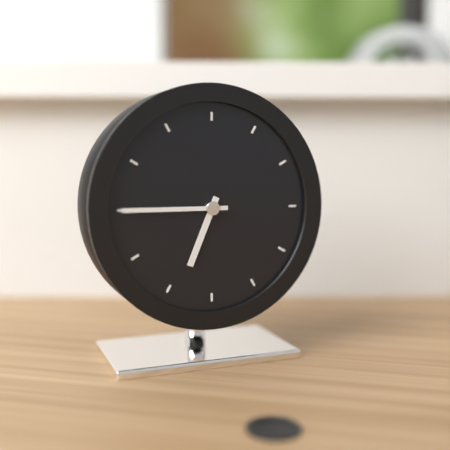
6:45
